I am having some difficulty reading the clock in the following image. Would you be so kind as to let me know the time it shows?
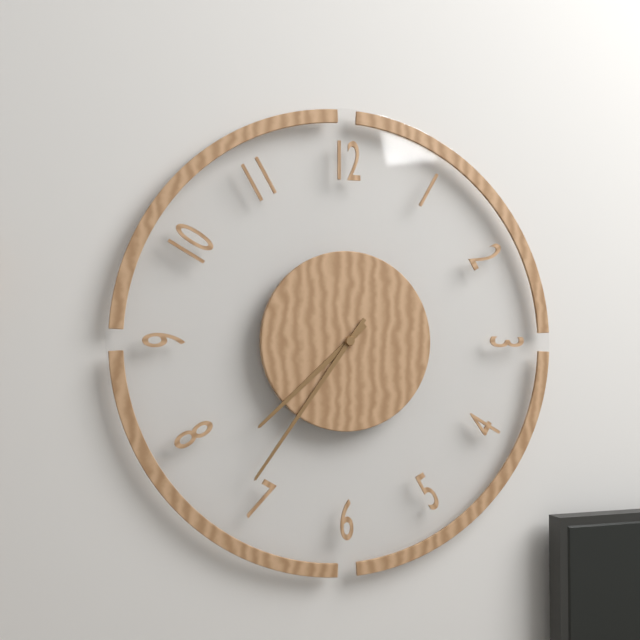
7:36
